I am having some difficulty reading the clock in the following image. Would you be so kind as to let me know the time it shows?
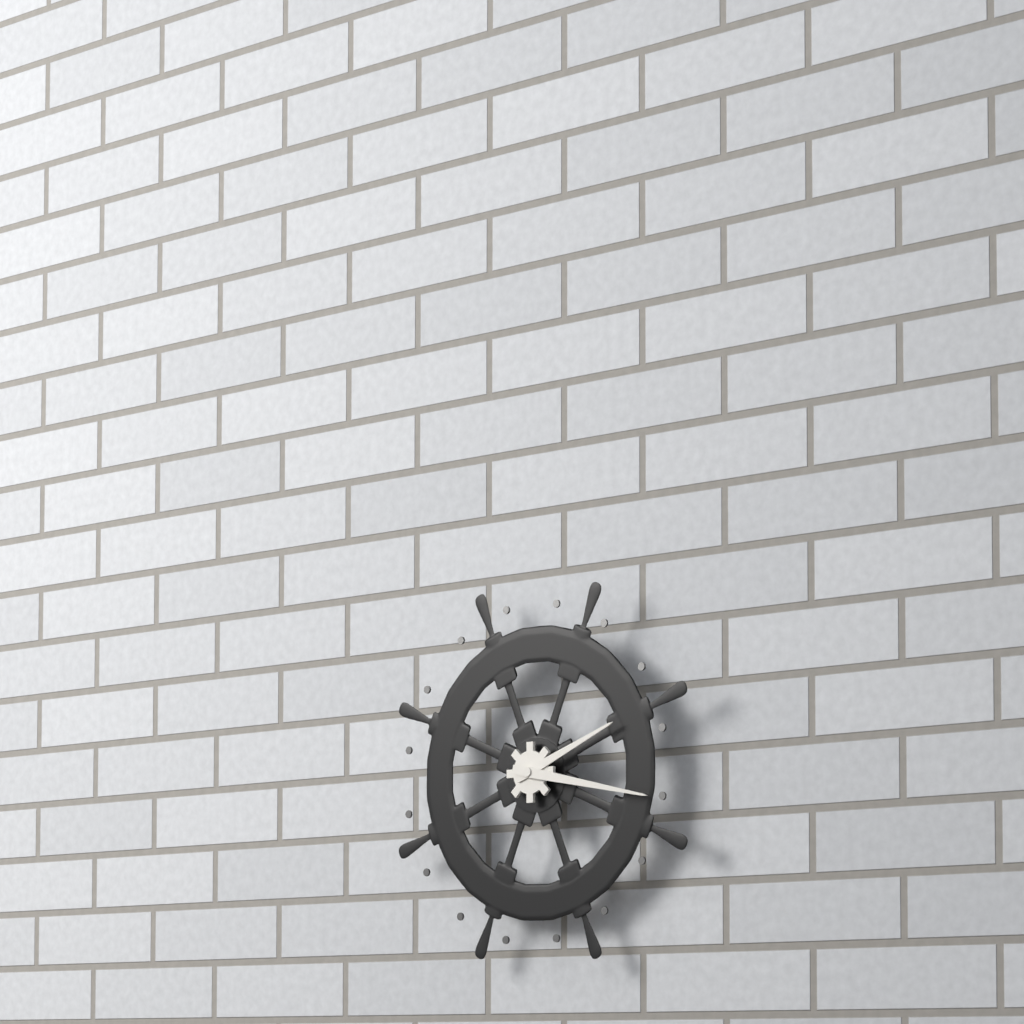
2:17
